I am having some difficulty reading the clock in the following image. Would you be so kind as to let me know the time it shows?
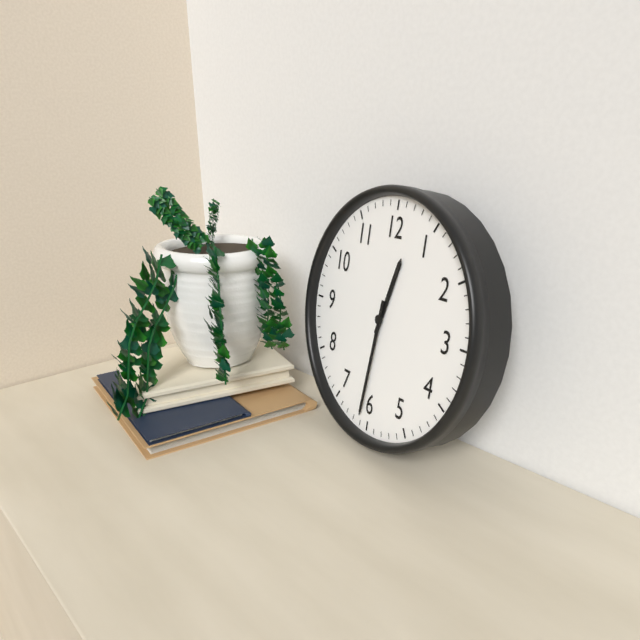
12:31
